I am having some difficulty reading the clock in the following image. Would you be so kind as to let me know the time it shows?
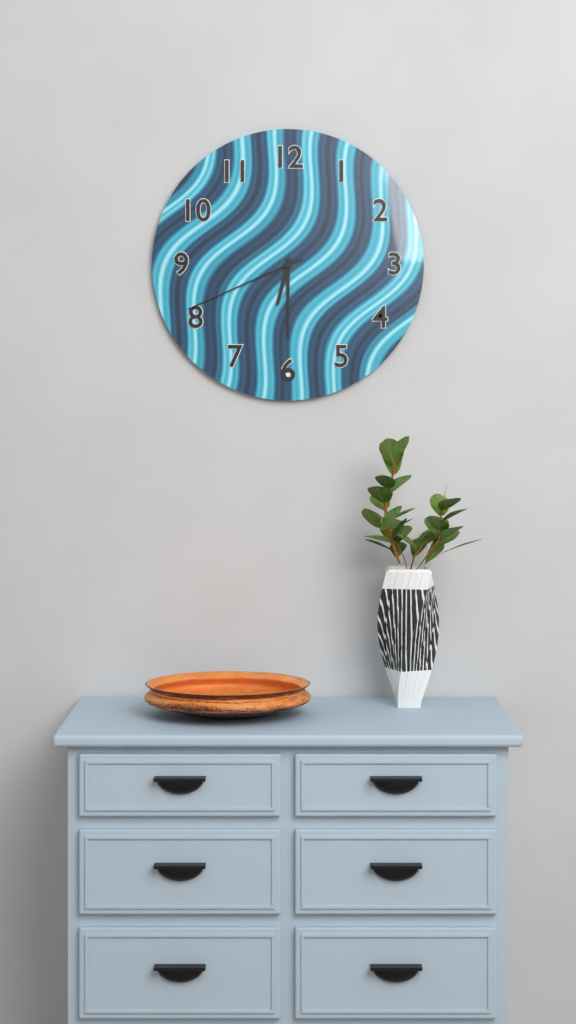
6:30:41
